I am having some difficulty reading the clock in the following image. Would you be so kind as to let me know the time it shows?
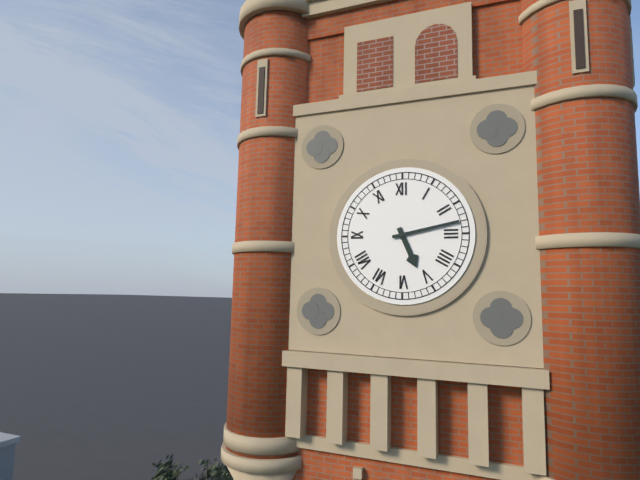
5:13
